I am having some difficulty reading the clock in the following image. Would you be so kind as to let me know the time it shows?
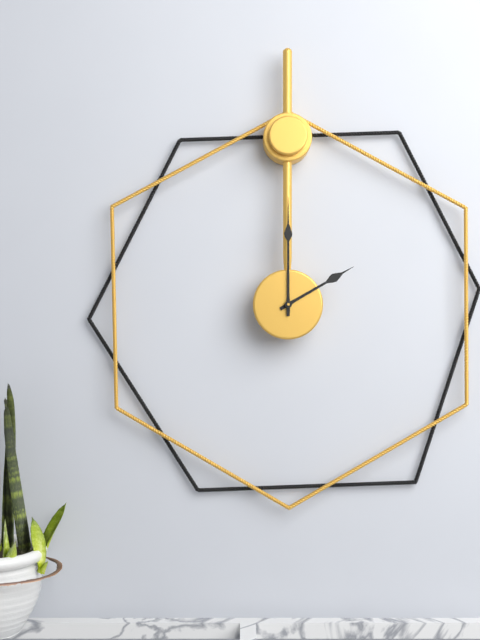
2:00
